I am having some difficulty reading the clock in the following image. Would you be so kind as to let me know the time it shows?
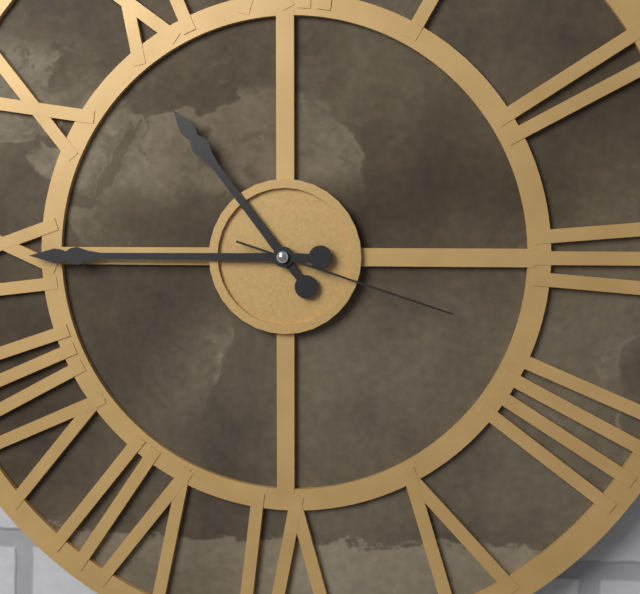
10:45:18
